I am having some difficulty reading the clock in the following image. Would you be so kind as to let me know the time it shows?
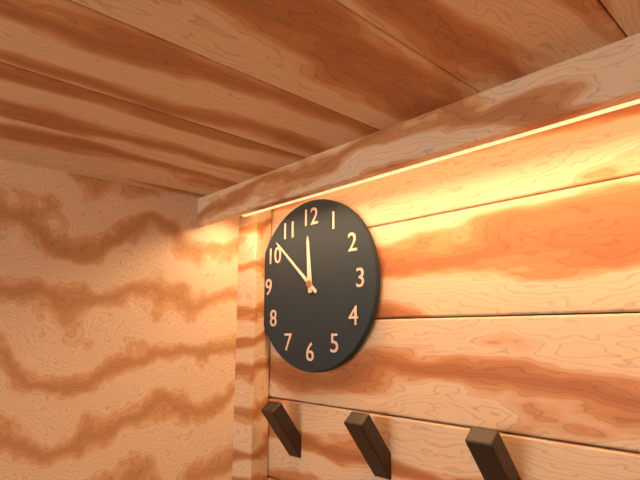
11:52
